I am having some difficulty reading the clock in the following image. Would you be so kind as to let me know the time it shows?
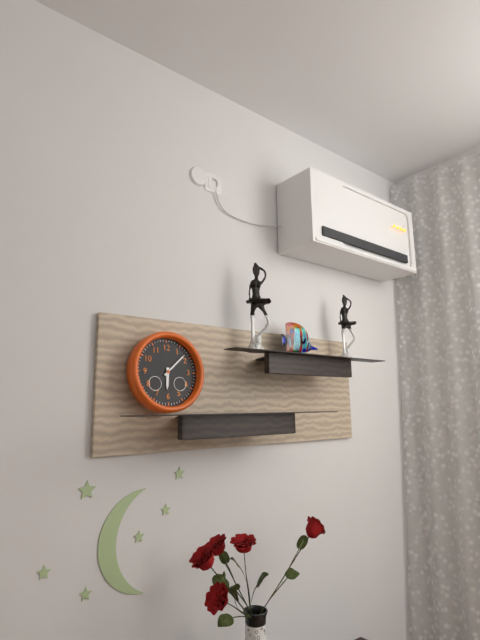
6:08
